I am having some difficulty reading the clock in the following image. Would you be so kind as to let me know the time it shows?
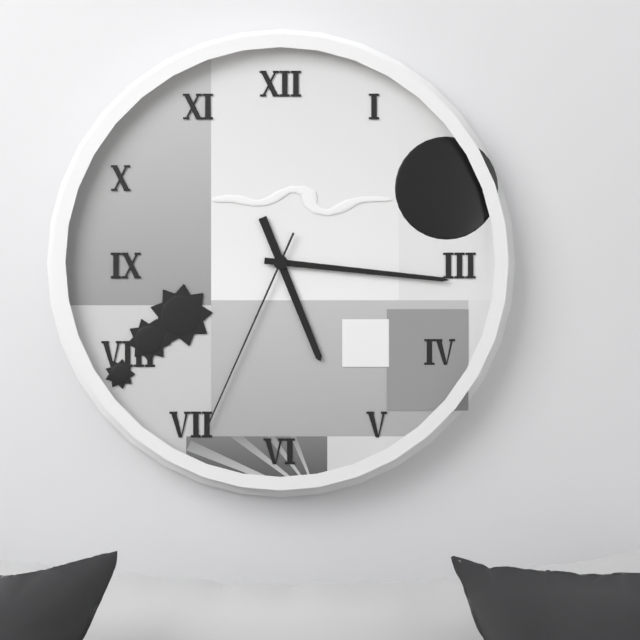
5:16:34
